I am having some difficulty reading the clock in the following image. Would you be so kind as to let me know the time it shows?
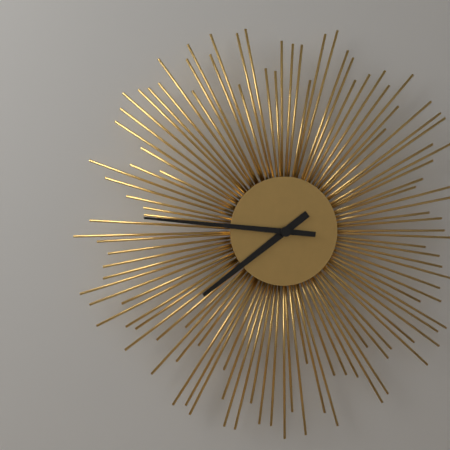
7:46
